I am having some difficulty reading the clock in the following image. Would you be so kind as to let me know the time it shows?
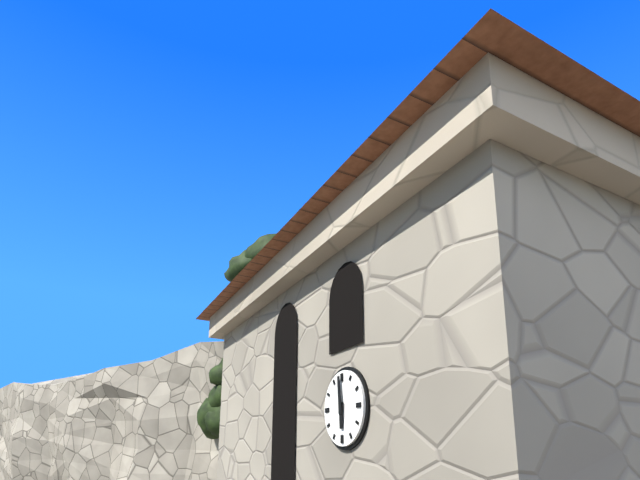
5:59
